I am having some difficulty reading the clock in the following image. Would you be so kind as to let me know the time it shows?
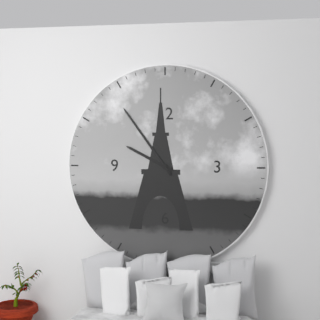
9:54
